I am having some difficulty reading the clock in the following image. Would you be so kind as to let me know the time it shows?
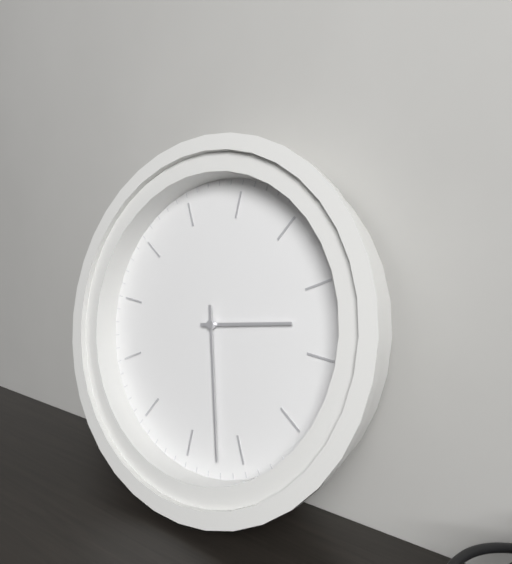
3:32
